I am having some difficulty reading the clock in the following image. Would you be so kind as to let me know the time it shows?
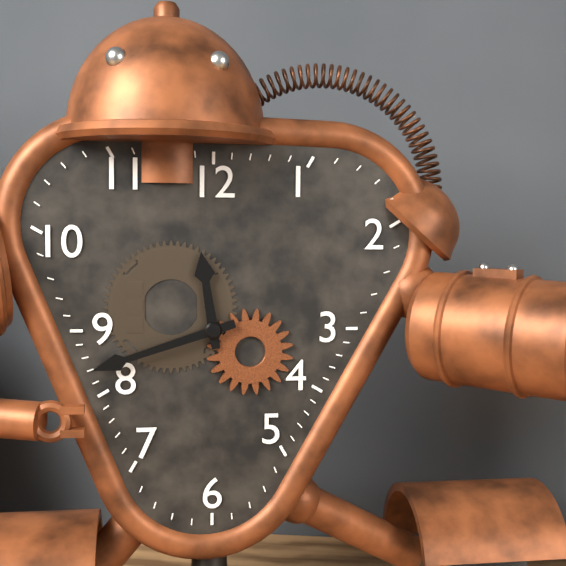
11:42
